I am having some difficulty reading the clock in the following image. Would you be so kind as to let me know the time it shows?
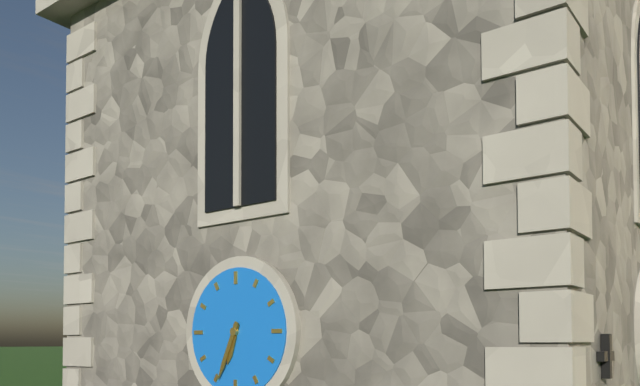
6:34
